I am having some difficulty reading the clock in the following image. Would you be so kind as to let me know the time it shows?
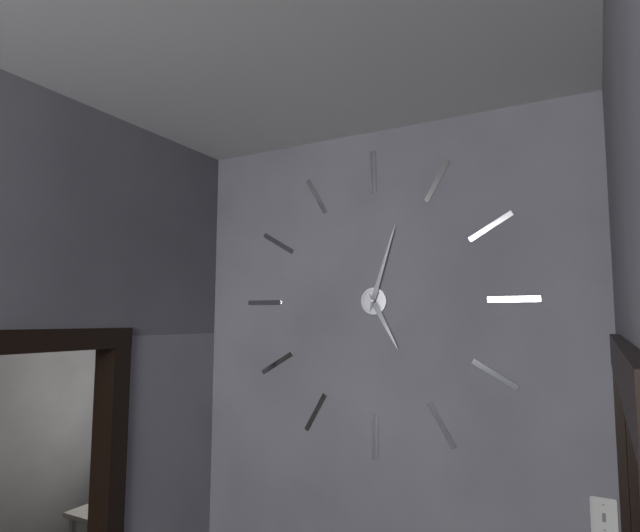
5:03
